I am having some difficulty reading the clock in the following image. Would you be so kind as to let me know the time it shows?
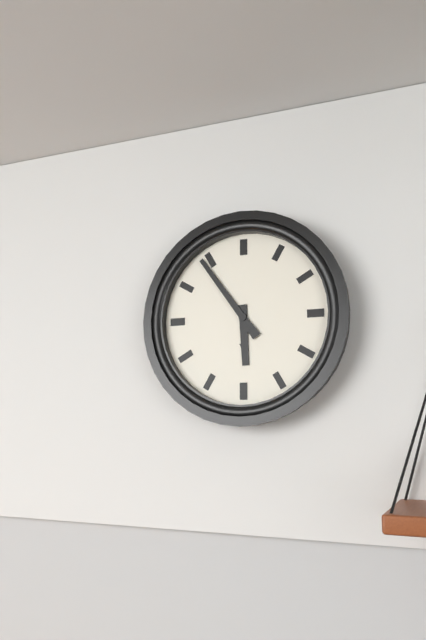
5:54
